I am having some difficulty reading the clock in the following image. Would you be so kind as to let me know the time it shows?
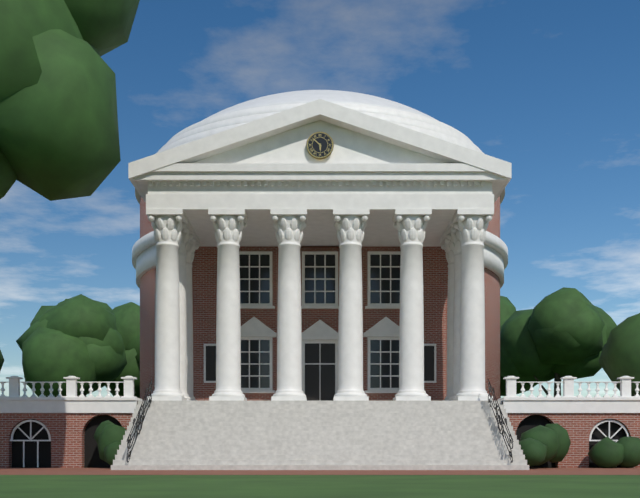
5:52
